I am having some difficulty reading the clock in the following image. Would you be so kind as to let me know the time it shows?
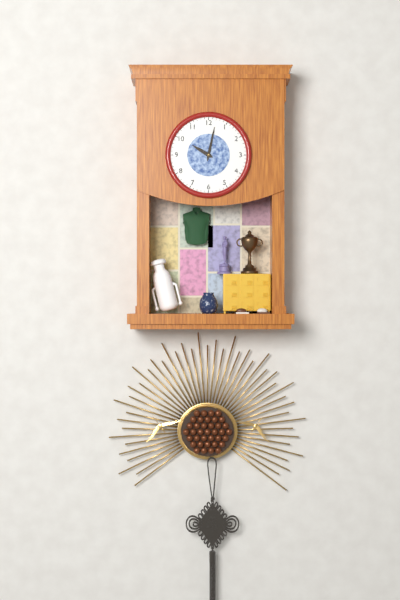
10:02
